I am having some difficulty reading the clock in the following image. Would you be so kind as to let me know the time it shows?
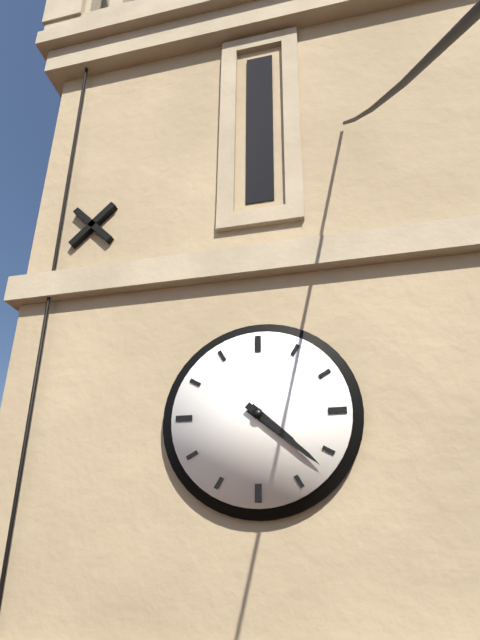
4:22
